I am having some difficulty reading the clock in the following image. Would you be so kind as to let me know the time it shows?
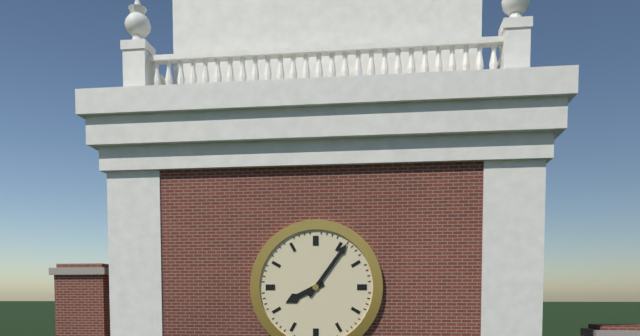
8:06
